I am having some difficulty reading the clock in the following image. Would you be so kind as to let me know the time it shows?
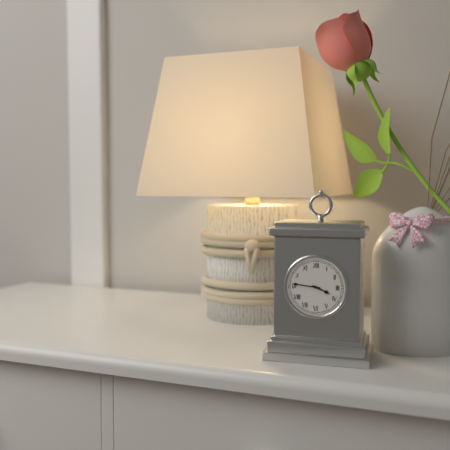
3:46
